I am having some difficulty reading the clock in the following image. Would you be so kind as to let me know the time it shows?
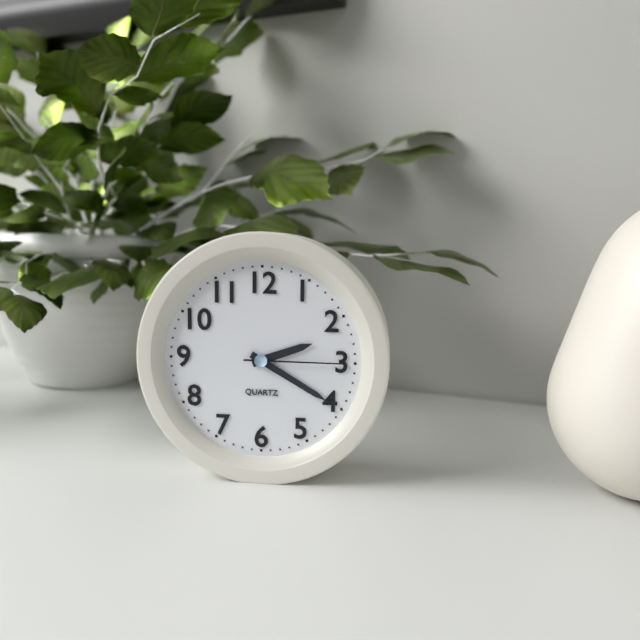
2:20:15
